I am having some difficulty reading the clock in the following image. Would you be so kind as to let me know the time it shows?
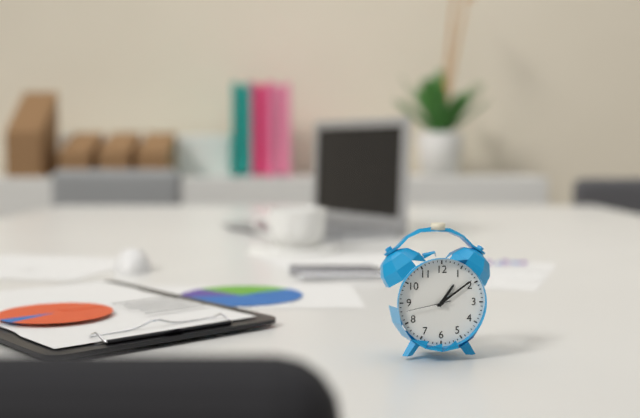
1:09
